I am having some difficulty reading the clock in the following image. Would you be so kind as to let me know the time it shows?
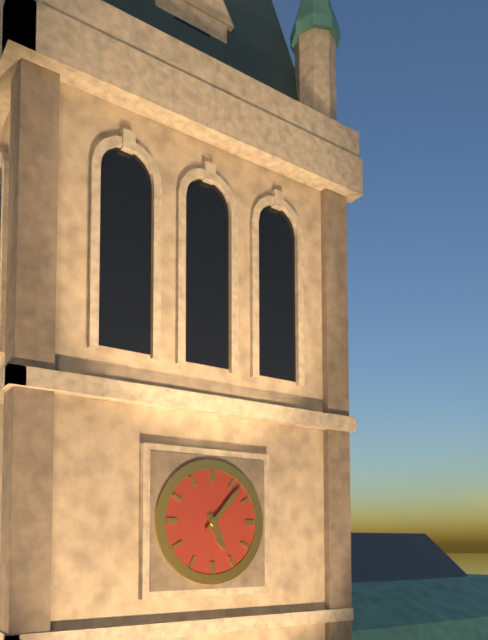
5:07
